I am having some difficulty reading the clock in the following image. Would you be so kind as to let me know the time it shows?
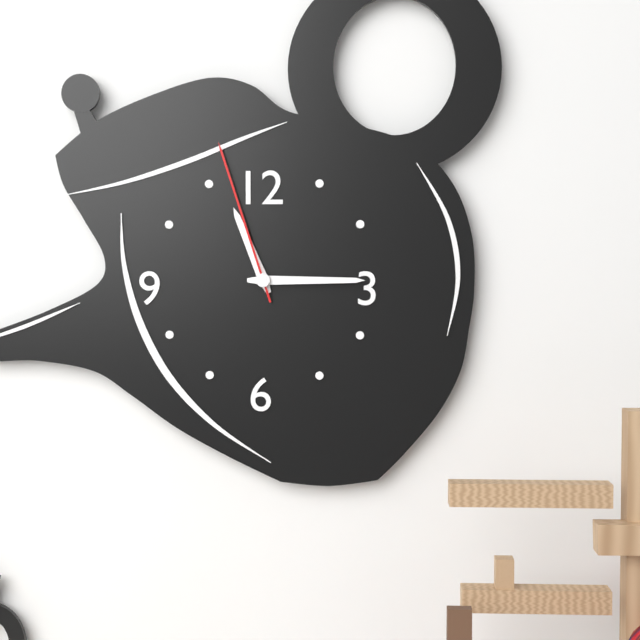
11:15:57
